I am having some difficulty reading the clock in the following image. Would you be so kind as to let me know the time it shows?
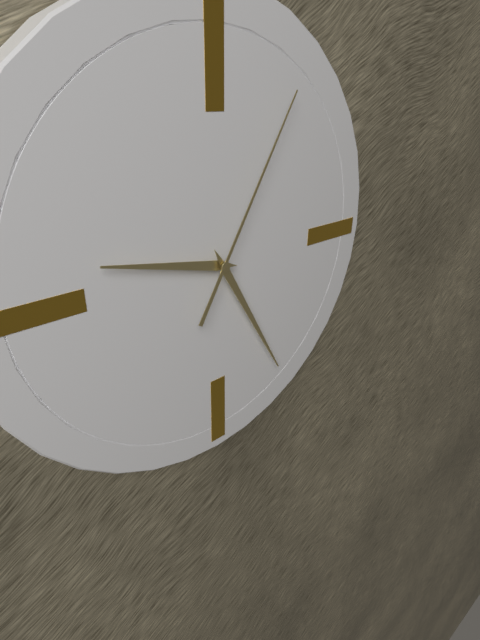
9:25:05
